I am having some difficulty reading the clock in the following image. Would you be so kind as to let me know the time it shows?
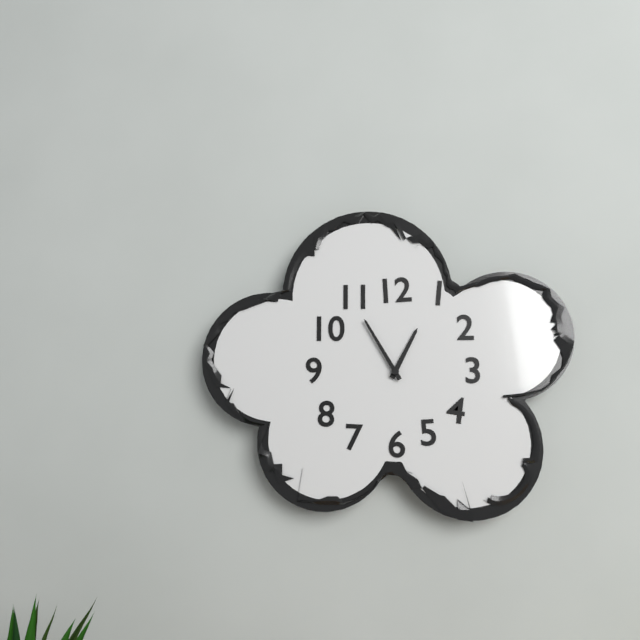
12:55
